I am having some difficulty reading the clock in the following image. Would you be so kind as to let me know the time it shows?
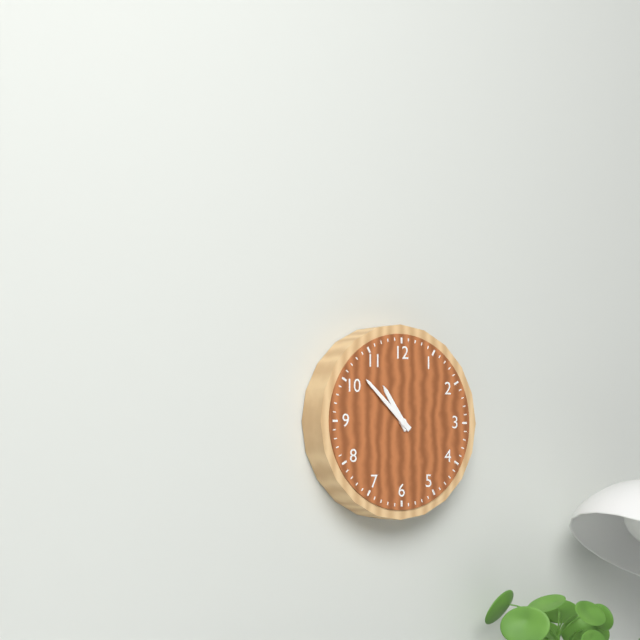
10:52
